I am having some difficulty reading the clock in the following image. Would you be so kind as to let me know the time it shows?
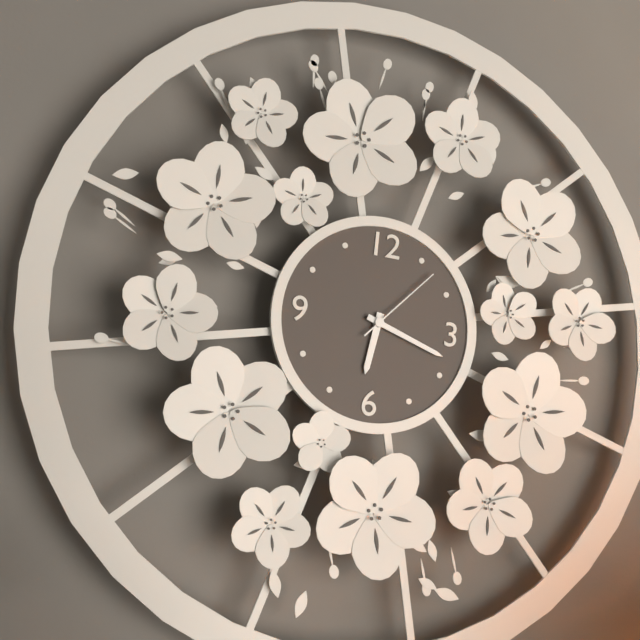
6:18:07
